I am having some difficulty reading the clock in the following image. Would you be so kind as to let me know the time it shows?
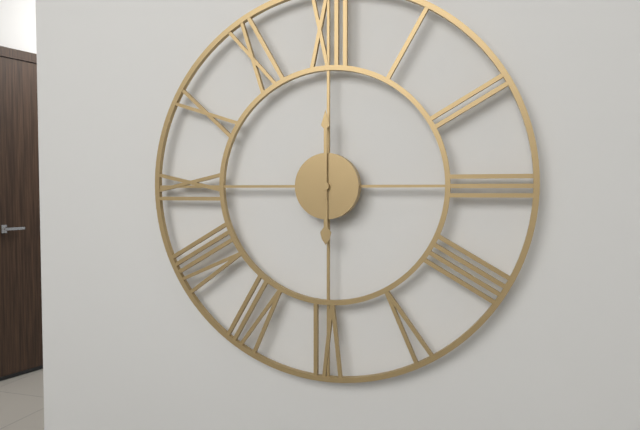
6:00
